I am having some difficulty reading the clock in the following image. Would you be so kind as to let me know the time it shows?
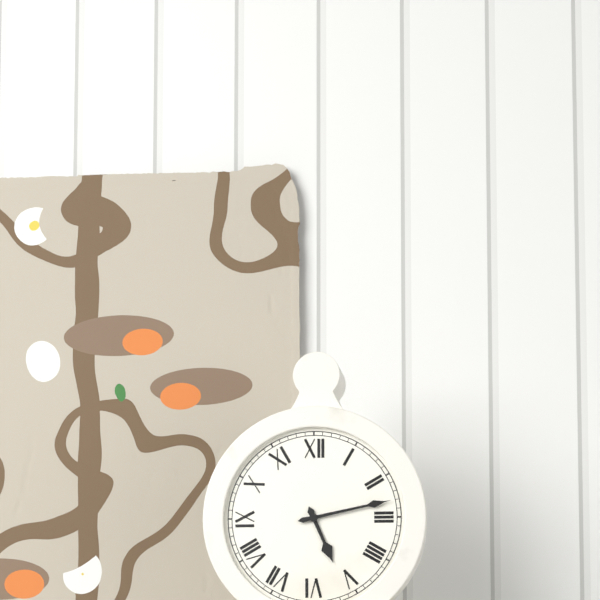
5:13
